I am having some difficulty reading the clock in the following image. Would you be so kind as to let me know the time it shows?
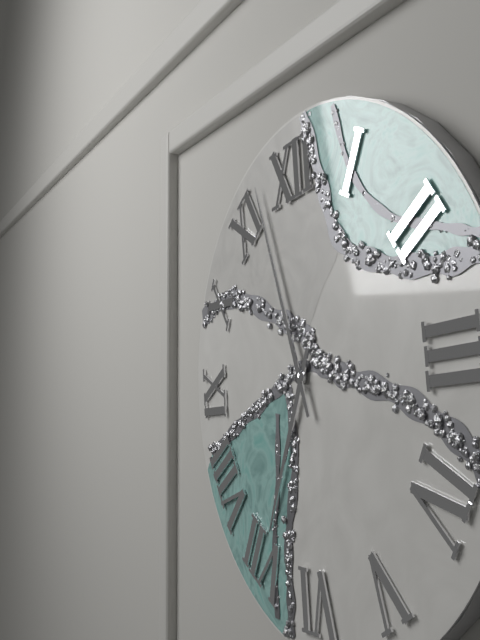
6:57
